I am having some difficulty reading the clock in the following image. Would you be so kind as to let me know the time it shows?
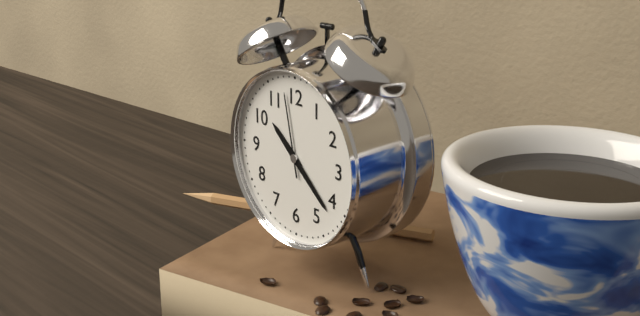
10:22:58
